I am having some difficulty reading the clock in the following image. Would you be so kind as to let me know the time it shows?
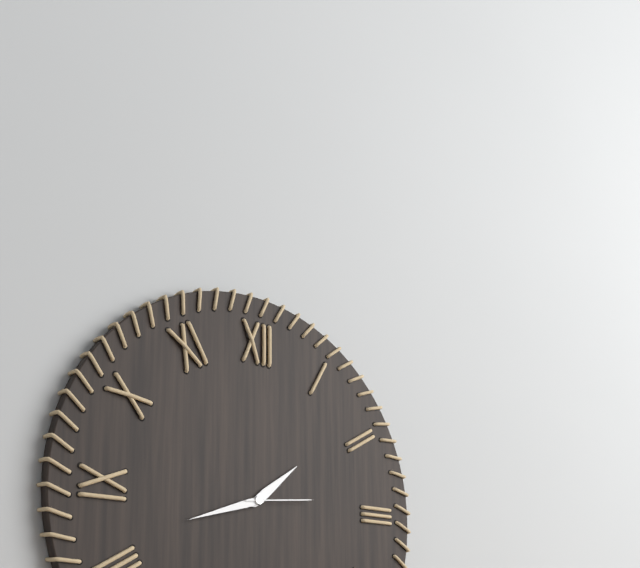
1:42:14
